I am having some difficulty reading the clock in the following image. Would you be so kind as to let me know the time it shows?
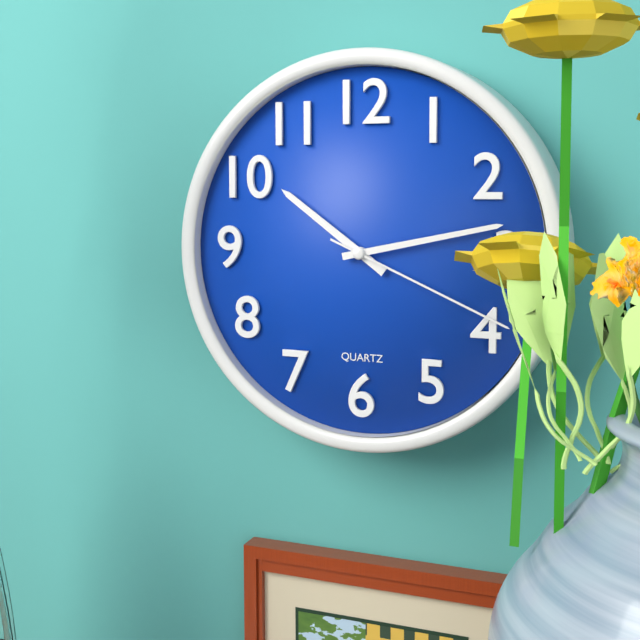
10:13:19
